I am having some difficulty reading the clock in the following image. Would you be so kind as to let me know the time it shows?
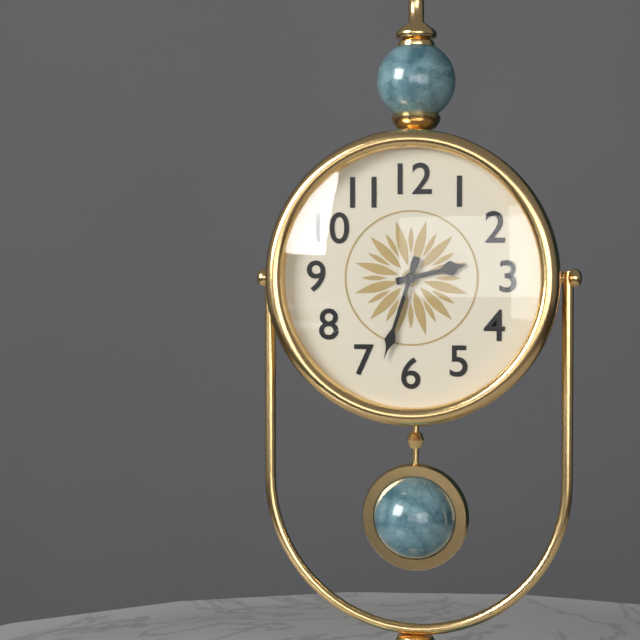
2:33
